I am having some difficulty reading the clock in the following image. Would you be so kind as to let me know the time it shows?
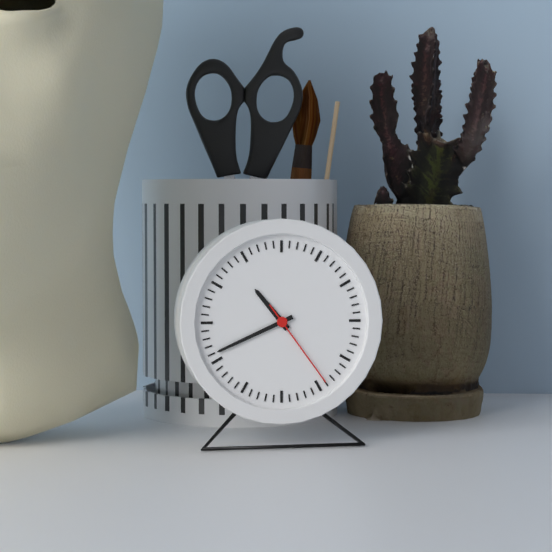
10:41:24
